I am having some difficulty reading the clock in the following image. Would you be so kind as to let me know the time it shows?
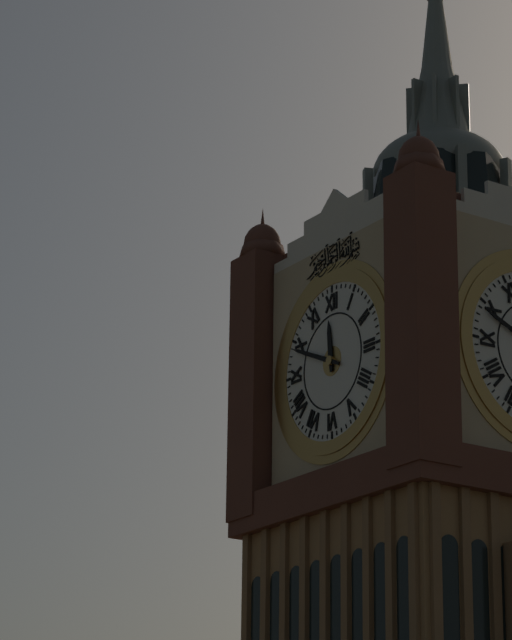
11:49
